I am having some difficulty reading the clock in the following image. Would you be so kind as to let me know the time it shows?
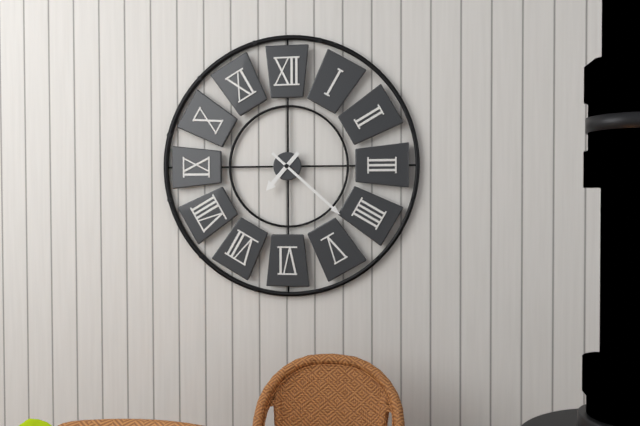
7:22
